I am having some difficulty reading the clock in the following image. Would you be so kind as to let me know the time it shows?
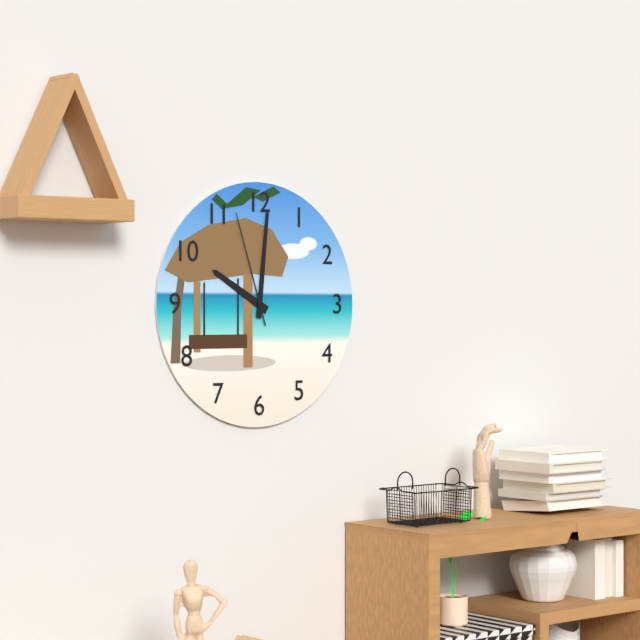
10:01:57
